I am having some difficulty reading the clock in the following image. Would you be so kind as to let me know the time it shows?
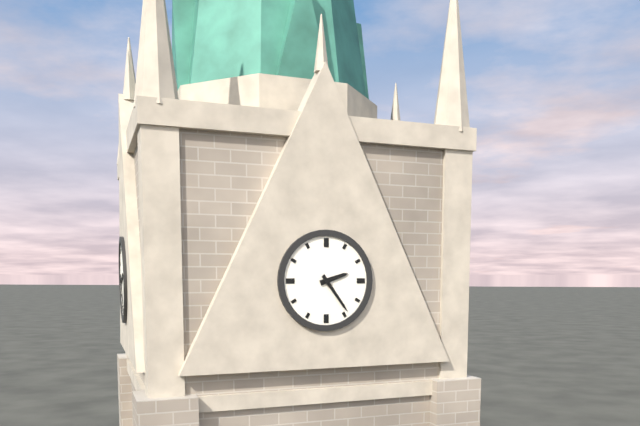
2:24
